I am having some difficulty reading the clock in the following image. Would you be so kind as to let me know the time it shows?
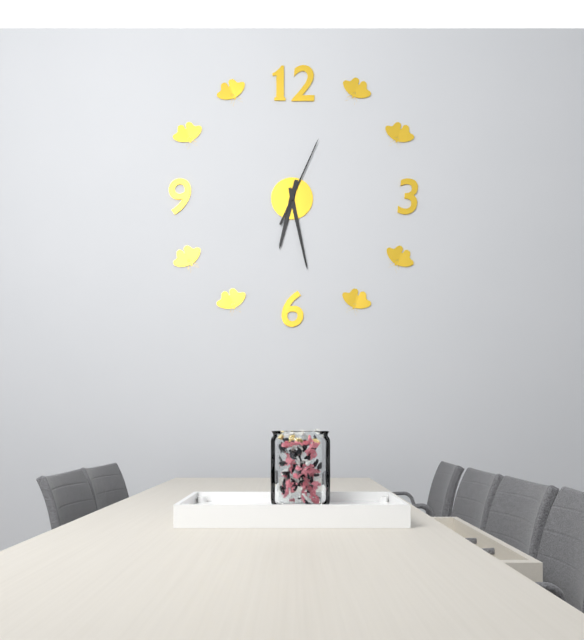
6:28:04
